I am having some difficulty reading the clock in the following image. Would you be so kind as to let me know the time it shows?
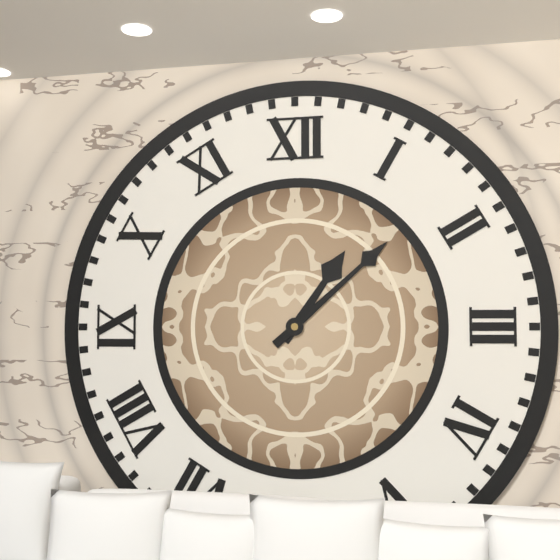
1:08
